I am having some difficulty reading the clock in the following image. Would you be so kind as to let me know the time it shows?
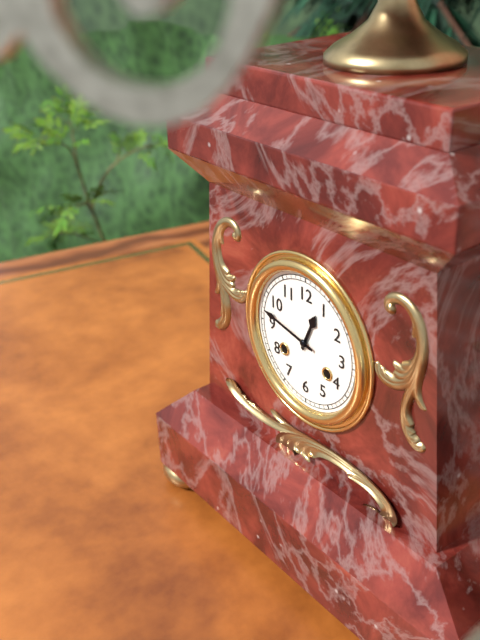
12:47
